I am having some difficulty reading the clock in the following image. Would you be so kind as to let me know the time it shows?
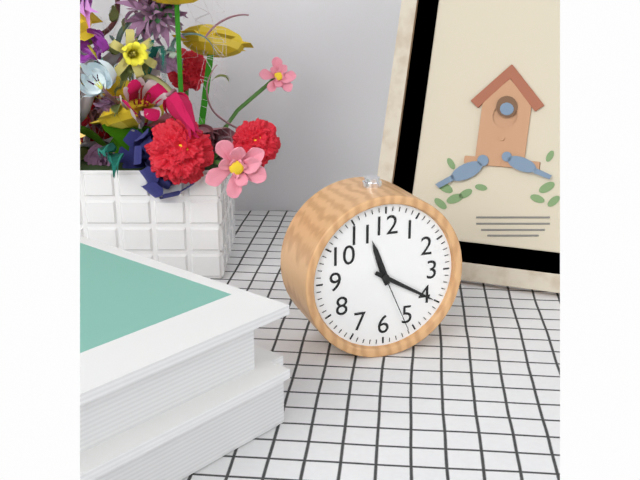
11:20:26
